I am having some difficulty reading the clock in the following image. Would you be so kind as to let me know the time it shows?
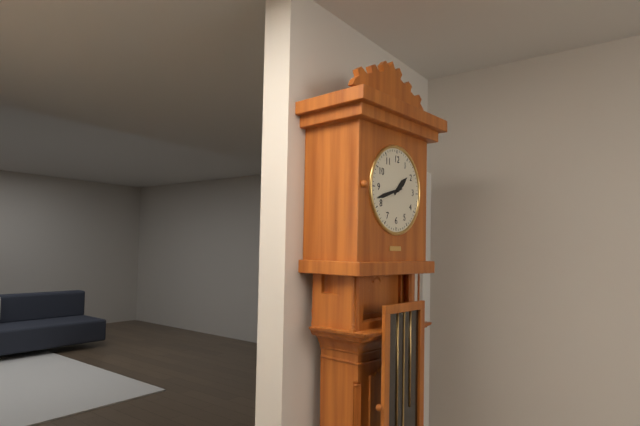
1:42
